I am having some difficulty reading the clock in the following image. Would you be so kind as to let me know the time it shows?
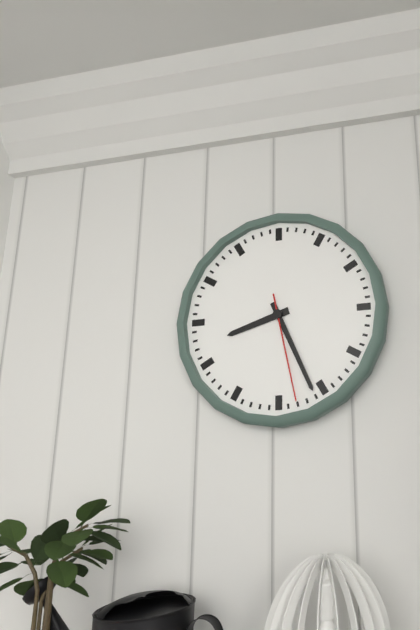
8:26:28
